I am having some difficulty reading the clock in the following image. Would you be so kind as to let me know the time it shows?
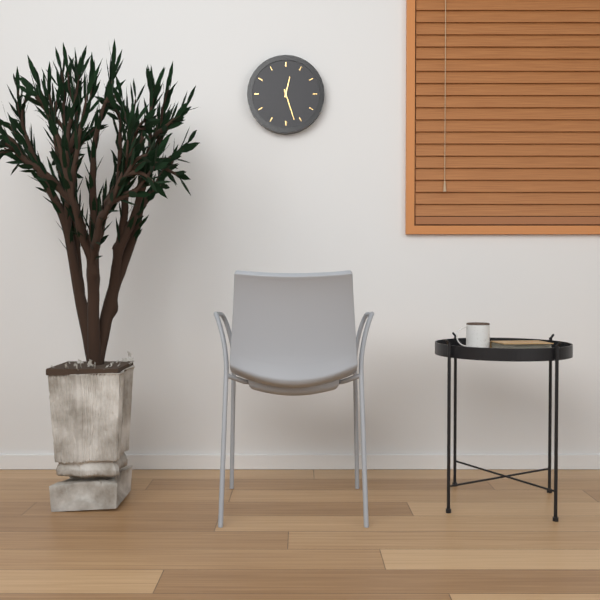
12:27
